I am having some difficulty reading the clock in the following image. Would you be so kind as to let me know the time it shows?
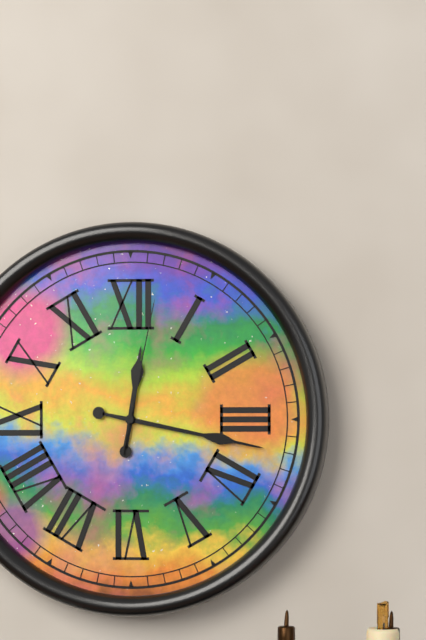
12:17:02
